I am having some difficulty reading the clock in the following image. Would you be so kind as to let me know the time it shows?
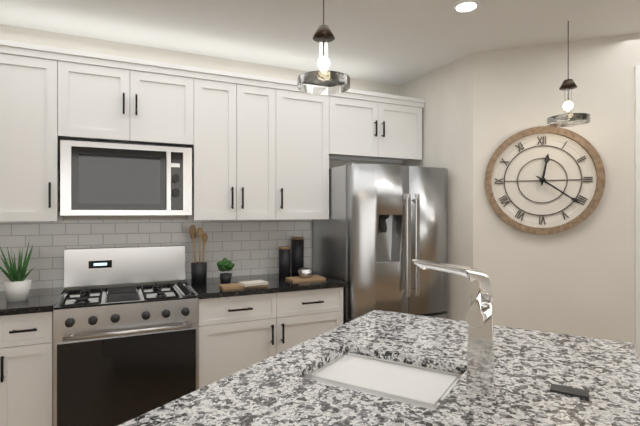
12:21
